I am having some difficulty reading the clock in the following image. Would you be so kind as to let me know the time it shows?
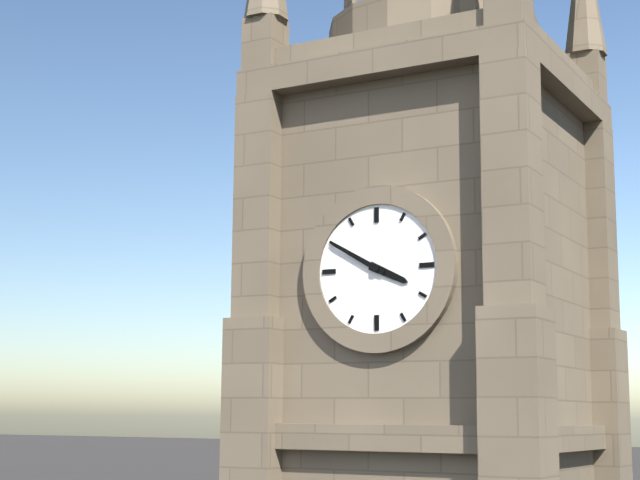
3:50
